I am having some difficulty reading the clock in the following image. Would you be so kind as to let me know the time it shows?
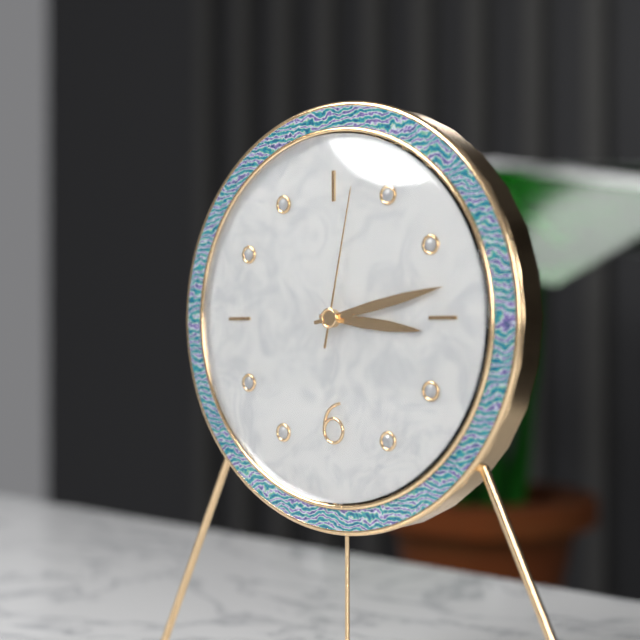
3:13:02
